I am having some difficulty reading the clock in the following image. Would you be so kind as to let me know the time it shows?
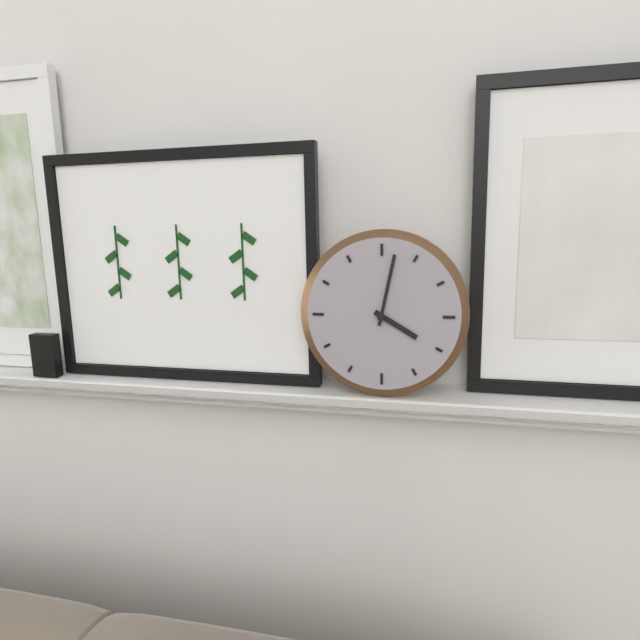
4:02
